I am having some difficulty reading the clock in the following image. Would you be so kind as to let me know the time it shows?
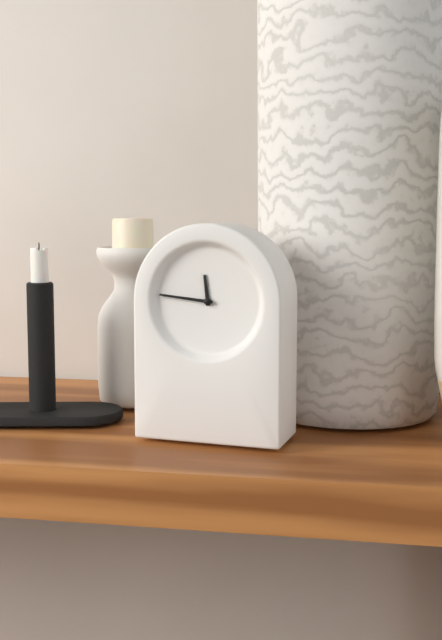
11:46
